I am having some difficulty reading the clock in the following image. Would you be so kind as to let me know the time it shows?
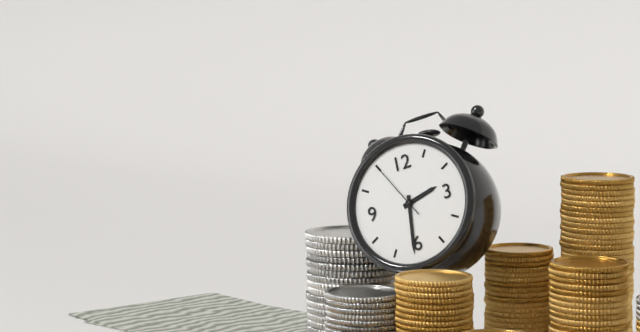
2:31:55
